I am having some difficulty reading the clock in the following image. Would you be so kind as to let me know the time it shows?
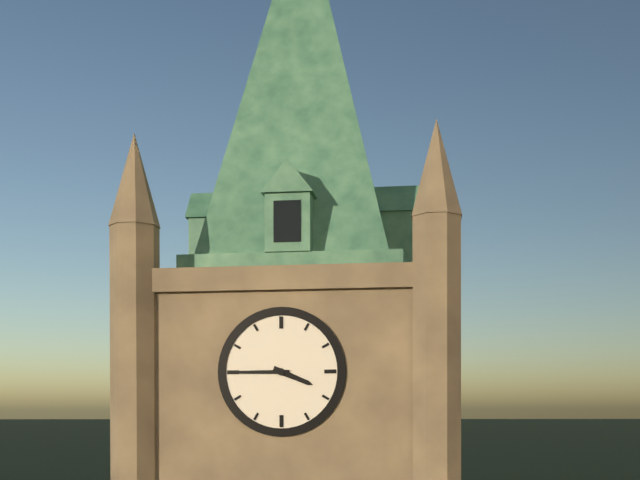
3:45
